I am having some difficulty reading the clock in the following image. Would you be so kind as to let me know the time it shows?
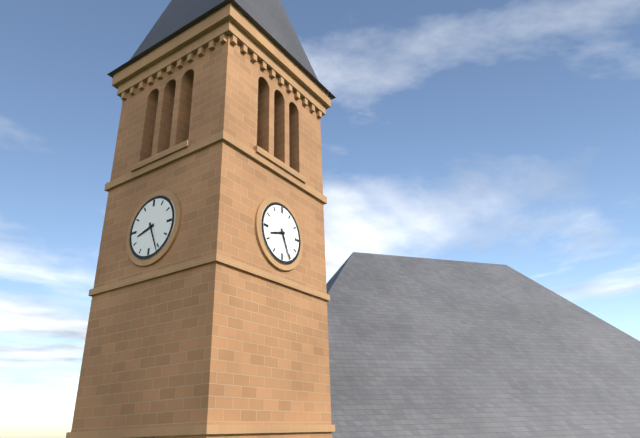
8:26
